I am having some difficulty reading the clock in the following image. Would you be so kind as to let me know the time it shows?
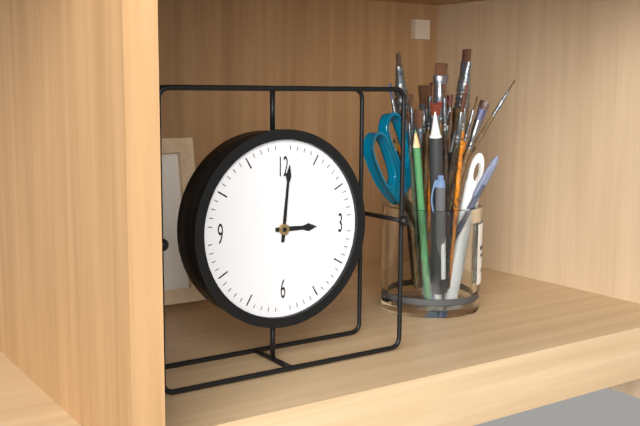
3:01
